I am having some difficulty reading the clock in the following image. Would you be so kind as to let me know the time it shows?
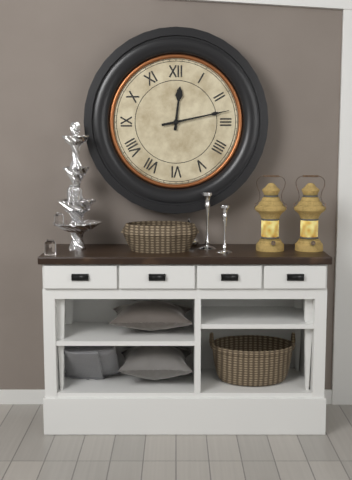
12:13
